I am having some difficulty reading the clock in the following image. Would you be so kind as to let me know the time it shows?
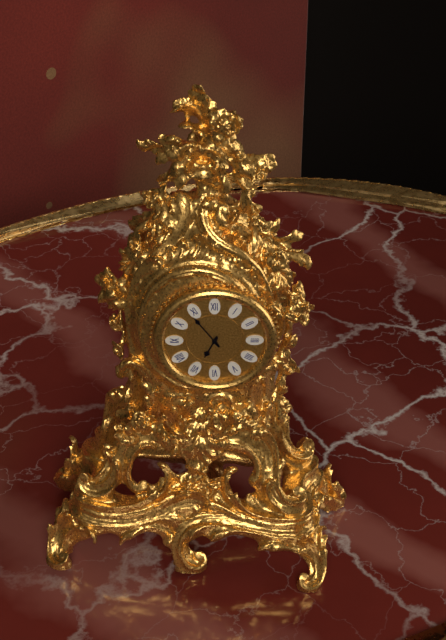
6:54
